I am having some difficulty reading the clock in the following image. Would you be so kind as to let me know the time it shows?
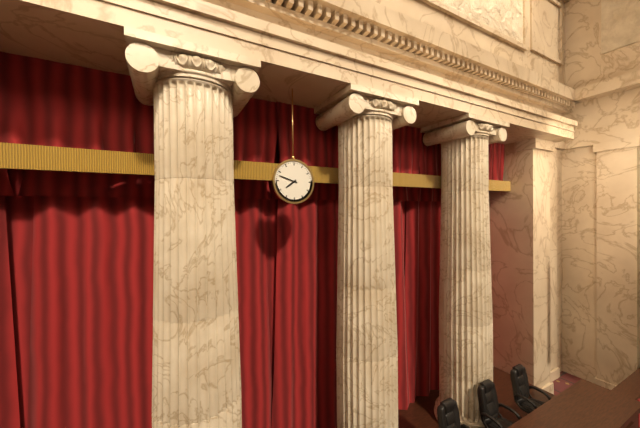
7:48
